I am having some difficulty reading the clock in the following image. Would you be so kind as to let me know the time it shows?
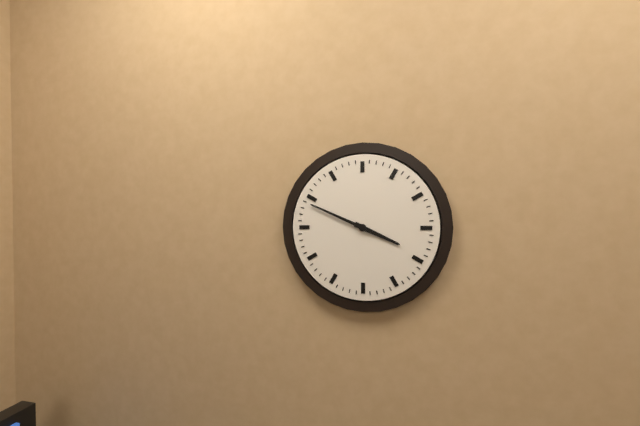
3:49
